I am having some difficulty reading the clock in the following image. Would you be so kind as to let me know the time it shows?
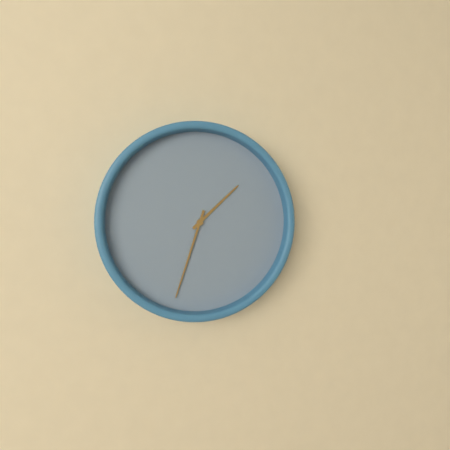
1:33
